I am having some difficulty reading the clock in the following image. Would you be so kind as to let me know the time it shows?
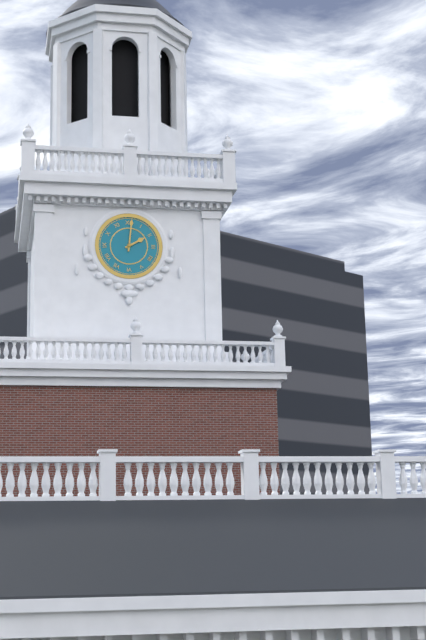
2:01
